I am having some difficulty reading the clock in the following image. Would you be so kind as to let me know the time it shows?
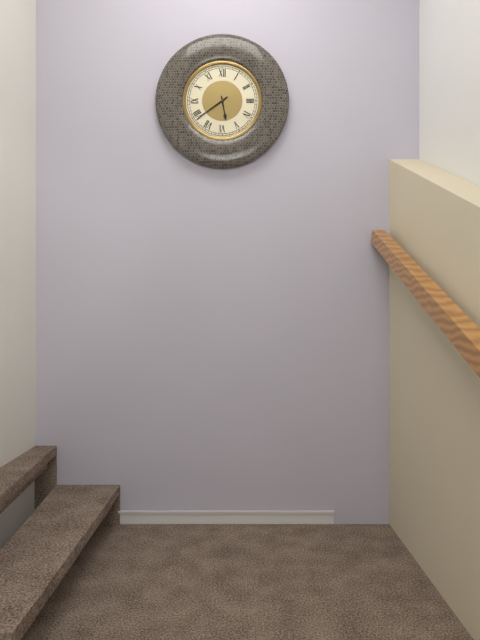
5:39
